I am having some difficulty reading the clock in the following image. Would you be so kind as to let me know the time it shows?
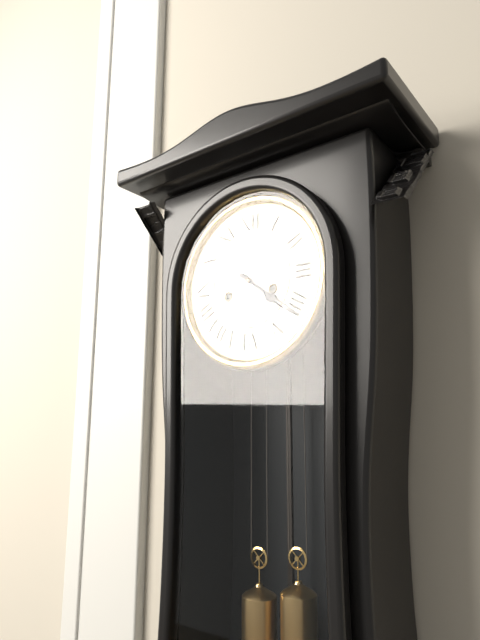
4:21
